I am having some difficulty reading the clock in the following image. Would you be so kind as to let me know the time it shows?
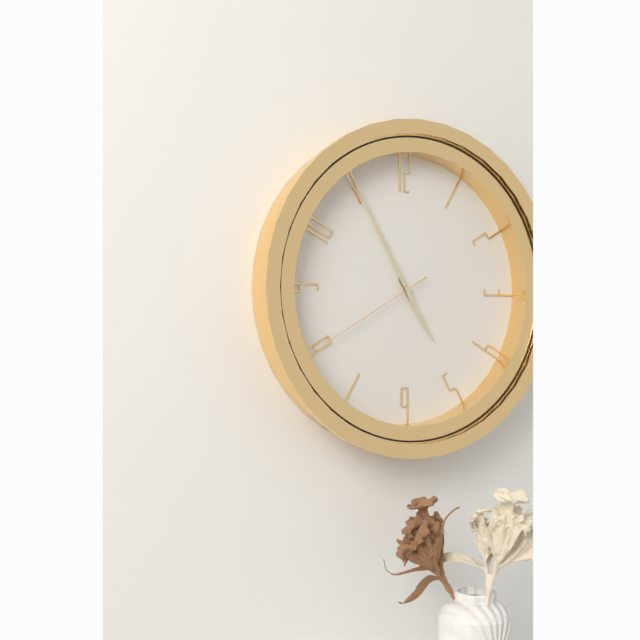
4:55:40
